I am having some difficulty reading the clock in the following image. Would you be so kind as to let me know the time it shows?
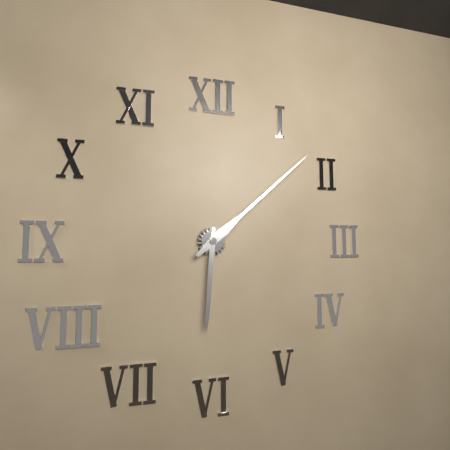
6:08
